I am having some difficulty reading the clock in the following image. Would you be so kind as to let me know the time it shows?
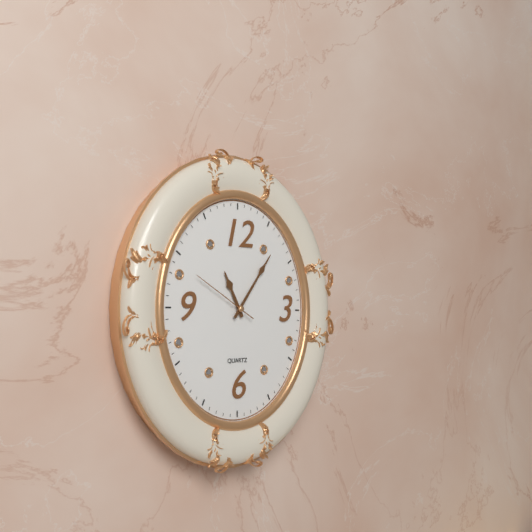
11:06:50
